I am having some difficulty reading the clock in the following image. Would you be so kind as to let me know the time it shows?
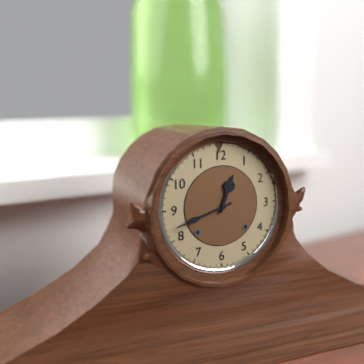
12:42
